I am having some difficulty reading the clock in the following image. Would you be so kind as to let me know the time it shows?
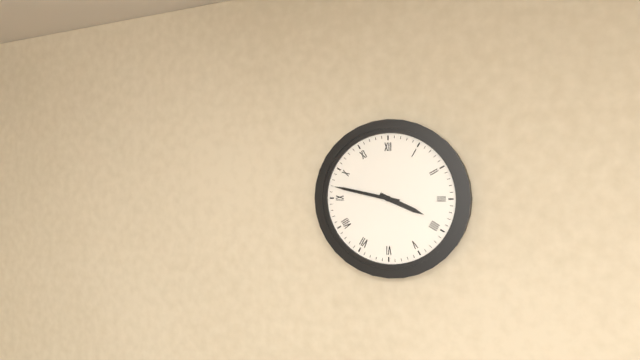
3:47
